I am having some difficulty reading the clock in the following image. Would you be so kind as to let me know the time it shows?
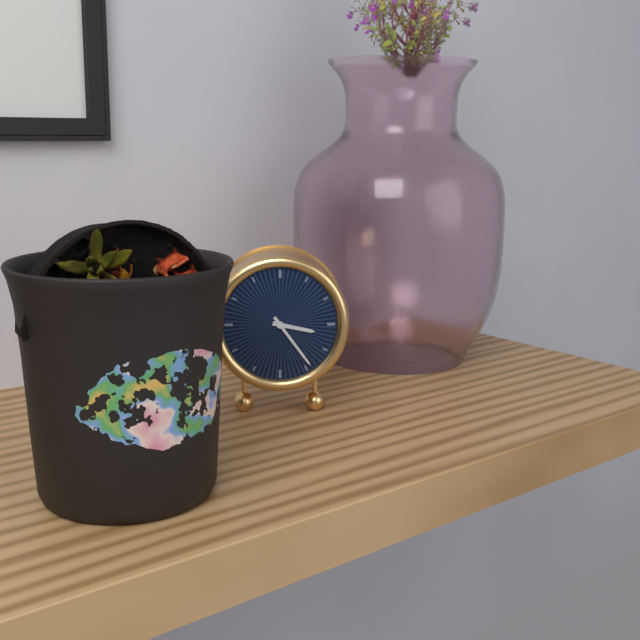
3:24
